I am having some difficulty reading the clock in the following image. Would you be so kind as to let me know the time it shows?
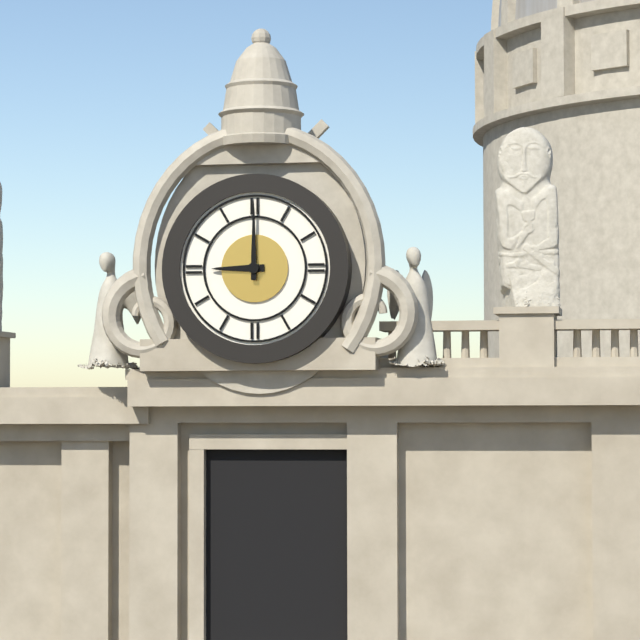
9:00
